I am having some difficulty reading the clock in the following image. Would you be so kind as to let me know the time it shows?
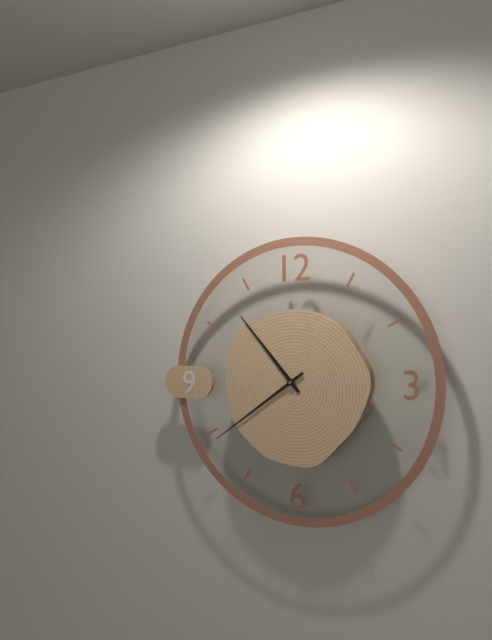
10:39
